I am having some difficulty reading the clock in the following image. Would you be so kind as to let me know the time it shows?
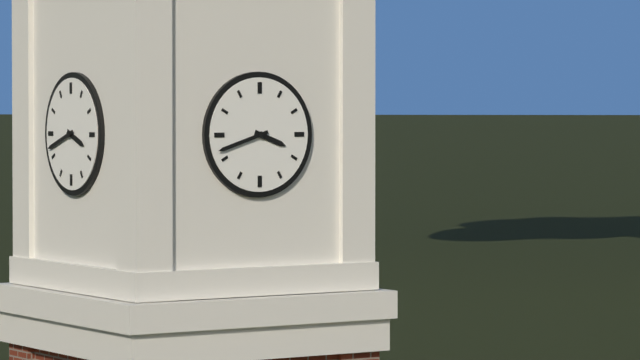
3:42
